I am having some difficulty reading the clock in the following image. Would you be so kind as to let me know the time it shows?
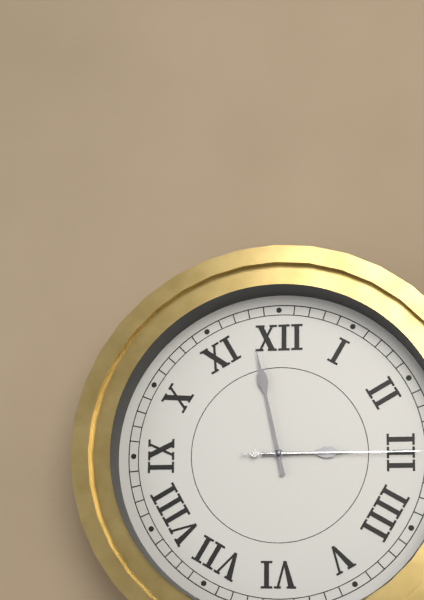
2:58:15
